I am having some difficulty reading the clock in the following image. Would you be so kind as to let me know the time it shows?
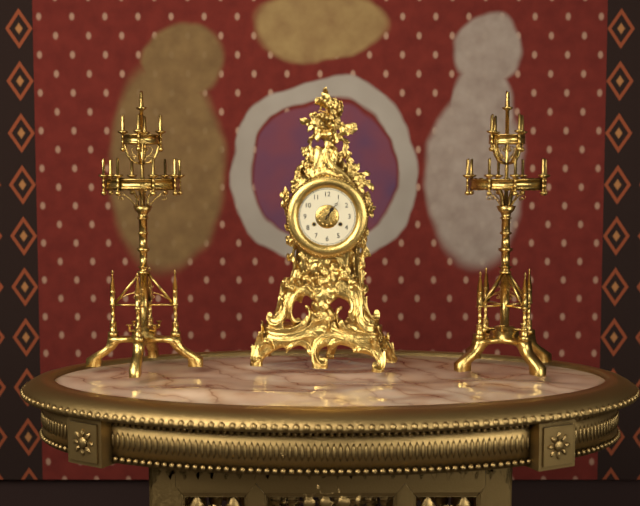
1:06
